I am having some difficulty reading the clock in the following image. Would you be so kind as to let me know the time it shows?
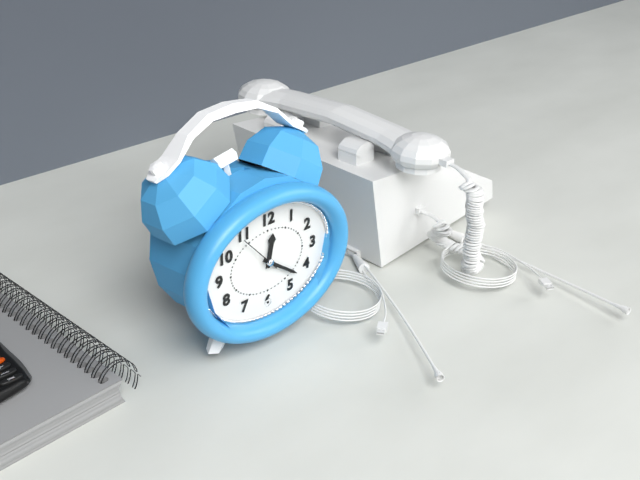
12:21
